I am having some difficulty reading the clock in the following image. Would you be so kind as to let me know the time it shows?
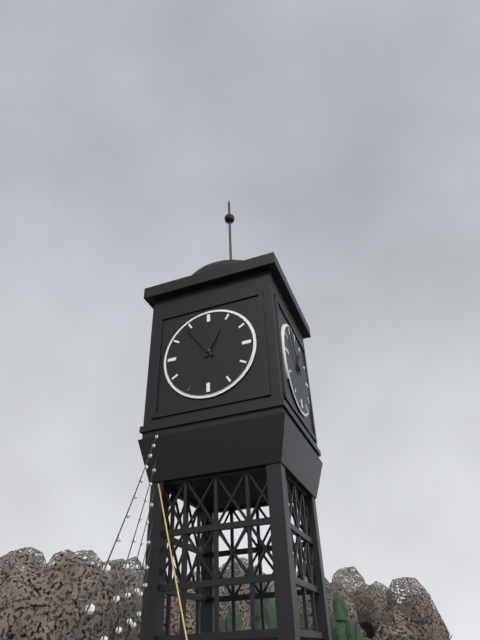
12:54
